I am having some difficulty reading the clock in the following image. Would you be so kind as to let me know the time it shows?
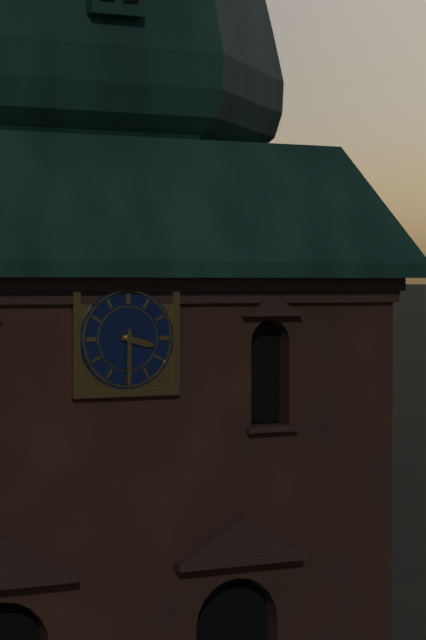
3:30
